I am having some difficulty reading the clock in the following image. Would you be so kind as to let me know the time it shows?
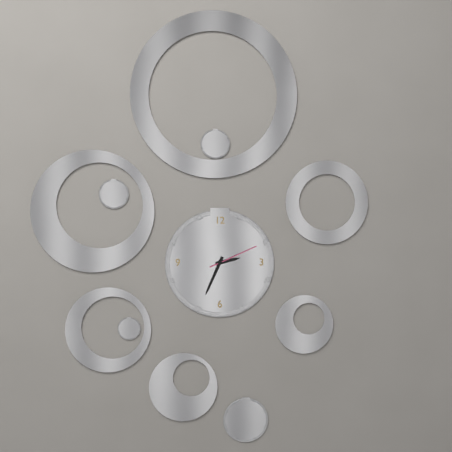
2:34:11
